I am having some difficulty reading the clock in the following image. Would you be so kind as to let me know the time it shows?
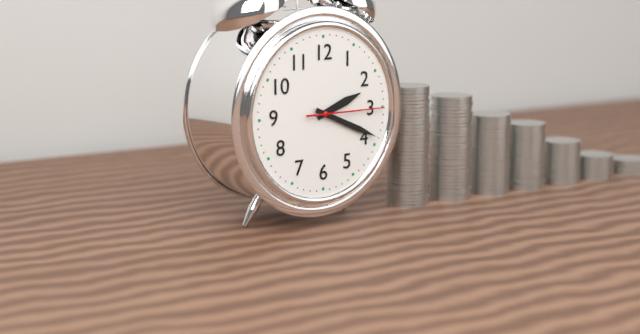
2:19:15
